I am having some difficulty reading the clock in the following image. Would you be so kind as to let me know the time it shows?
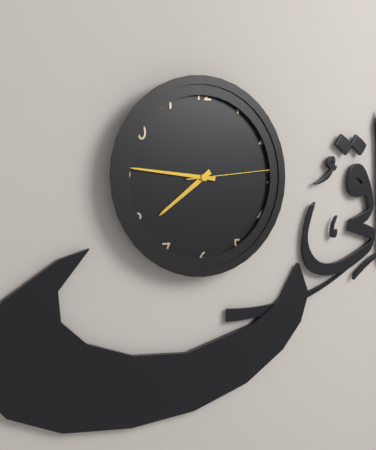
7:46:14
